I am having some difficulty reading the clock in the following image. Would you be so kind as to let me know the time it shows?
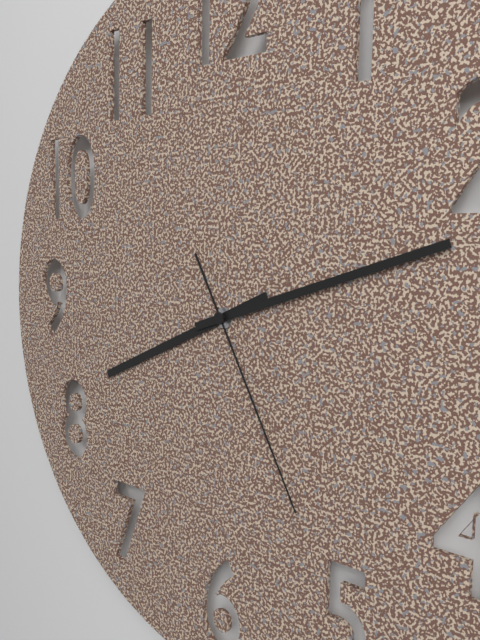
8:12:25
